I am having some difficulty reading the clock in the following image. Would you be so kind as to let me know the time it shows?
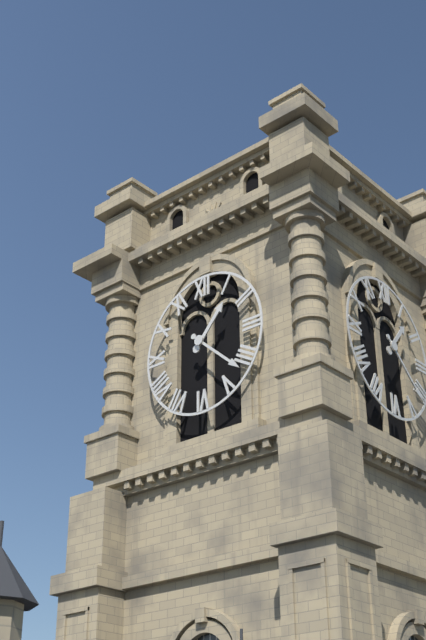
1:22
